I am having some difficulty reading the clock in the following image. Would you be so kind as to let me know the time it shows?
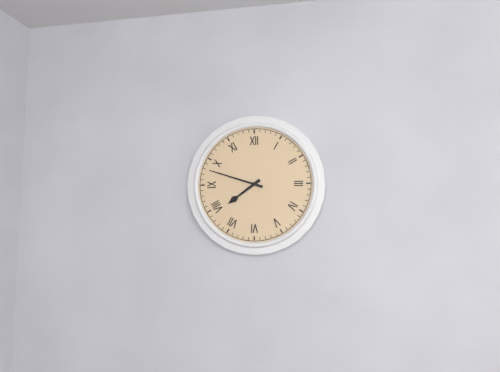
7:48
